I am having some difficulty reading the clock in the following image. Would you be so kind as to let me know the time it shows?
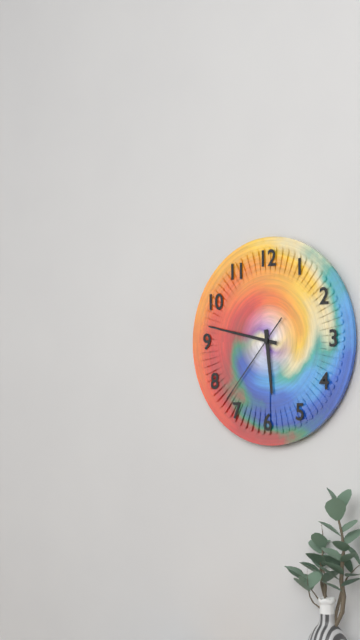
5:47:37
